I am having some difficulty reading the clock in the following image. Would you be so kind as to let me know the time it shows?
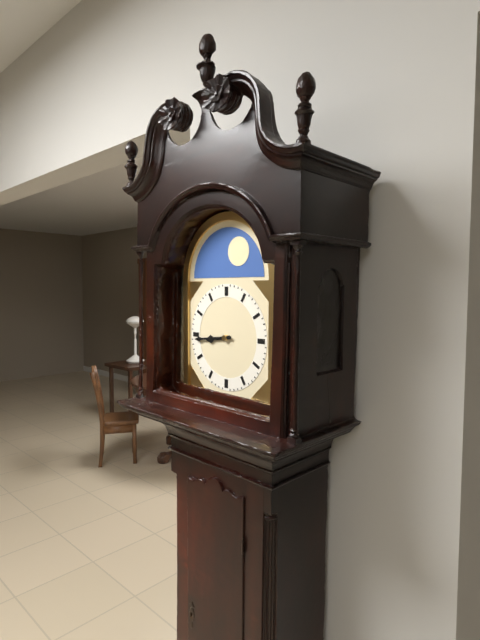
8:44
